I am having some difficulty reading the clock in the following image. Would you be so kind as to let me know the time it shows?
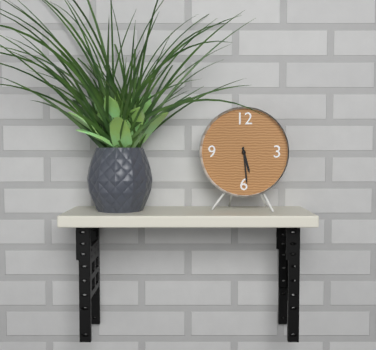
5:29
